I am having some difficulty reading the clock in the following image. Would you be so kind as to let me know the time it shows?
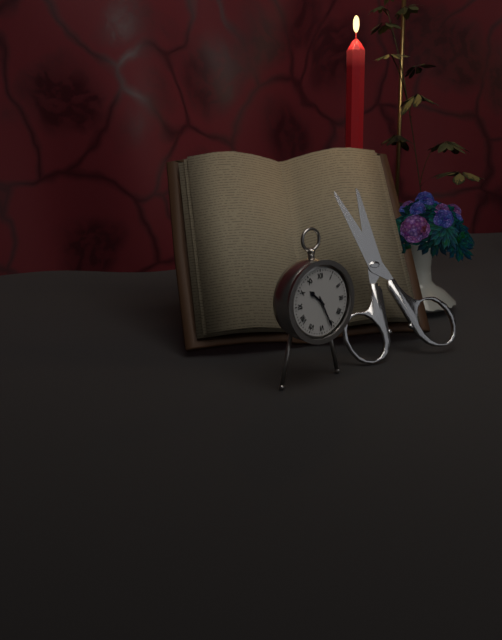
10:26
